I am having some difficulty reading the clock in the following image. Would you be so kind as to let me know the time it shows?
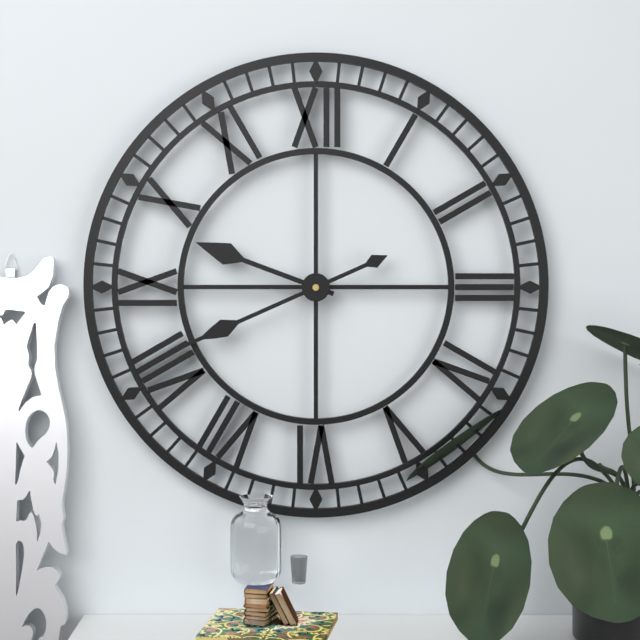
9:41
